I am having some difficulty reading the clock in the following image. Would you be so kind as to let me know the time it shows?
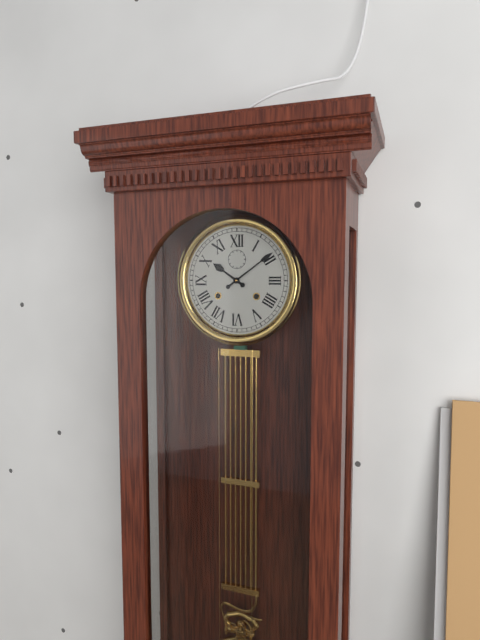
10:09
